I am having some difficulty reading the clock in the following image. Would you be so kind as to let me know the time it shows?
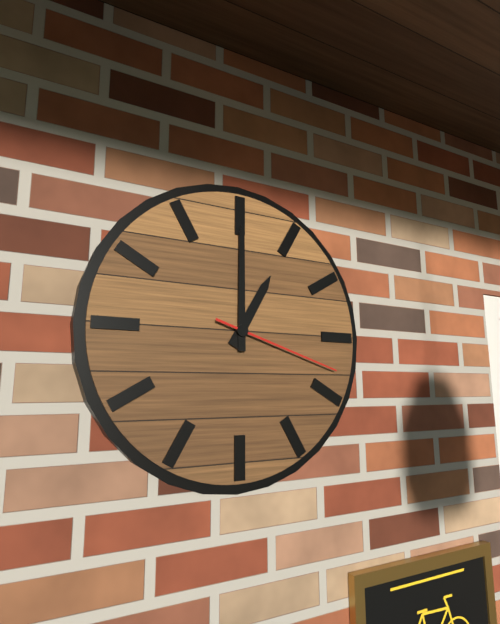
1:00:18
